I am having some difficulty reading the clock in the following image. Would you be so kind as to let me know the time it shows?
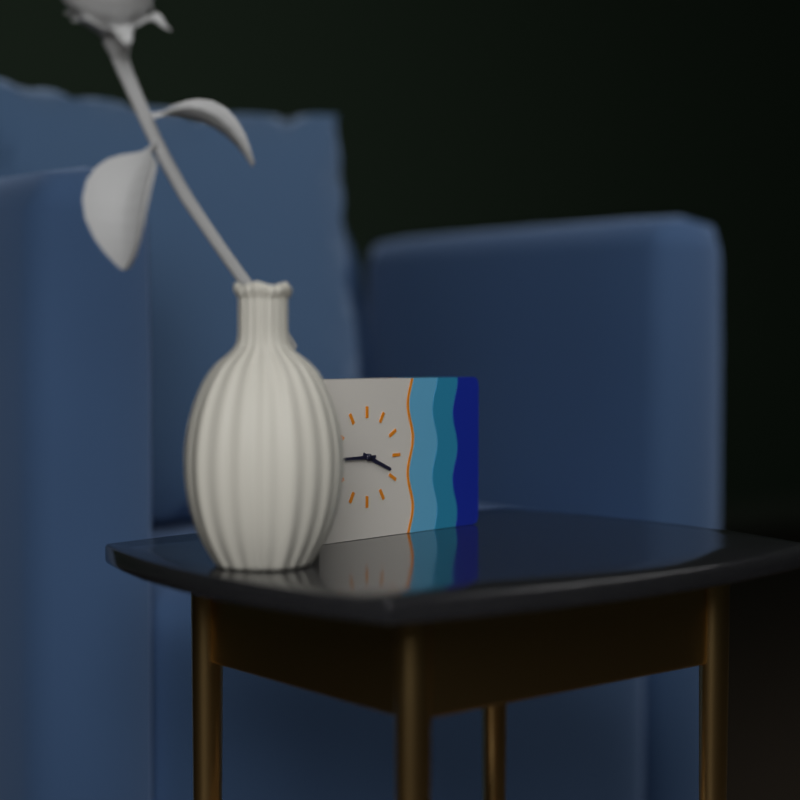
3:45
